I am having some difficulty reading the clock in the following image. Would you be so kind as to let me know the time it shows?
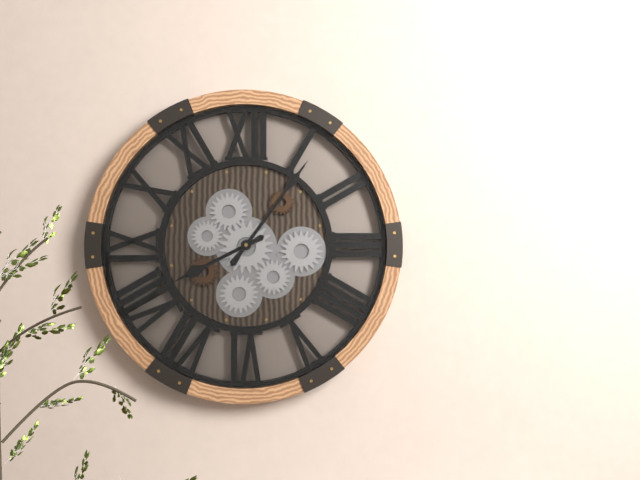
8:06
